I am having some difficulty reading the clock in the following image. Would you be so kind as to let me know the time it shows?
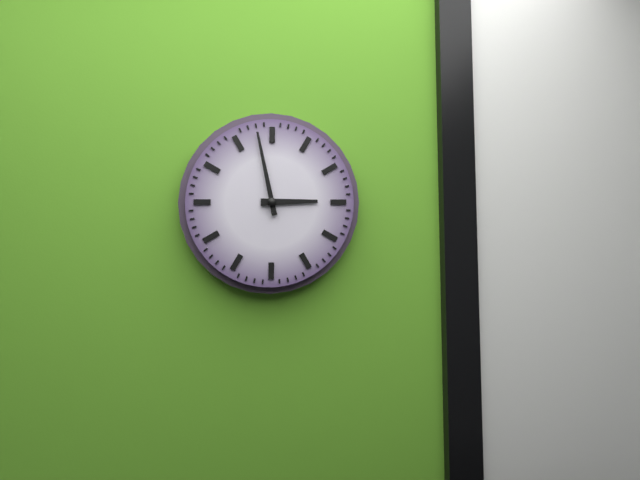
2:58
